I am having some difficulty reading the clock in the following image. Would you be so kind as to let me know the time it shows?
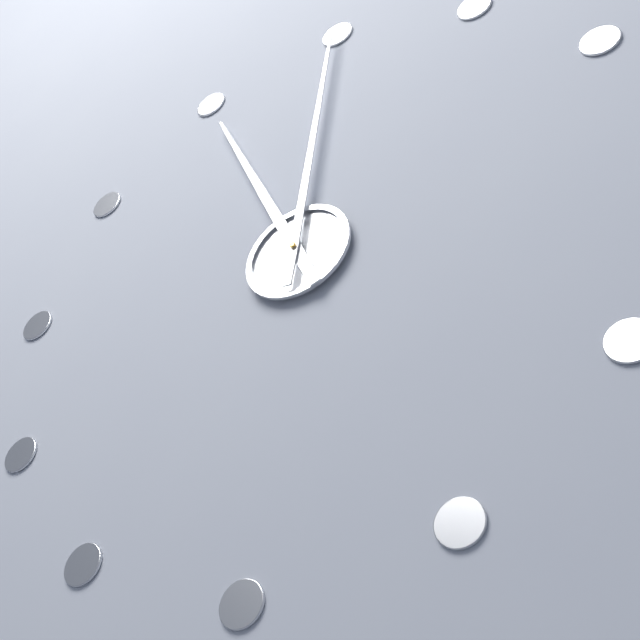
11:00
